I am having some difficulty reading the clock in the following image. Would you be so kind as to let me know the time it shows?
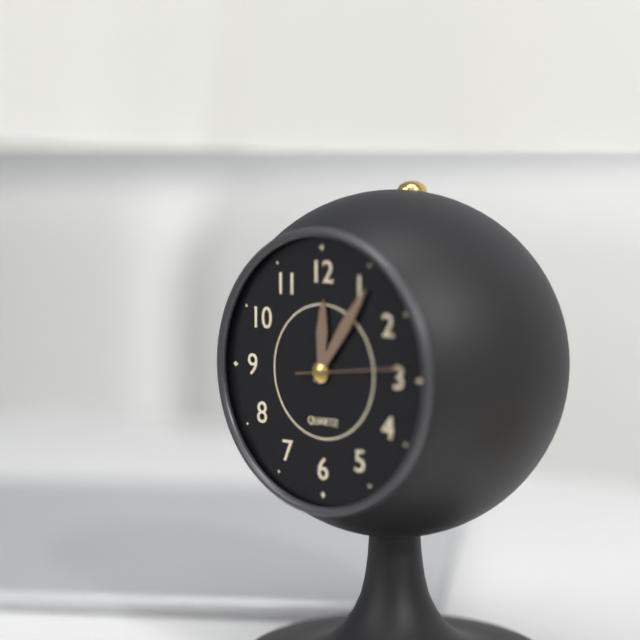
12:06
